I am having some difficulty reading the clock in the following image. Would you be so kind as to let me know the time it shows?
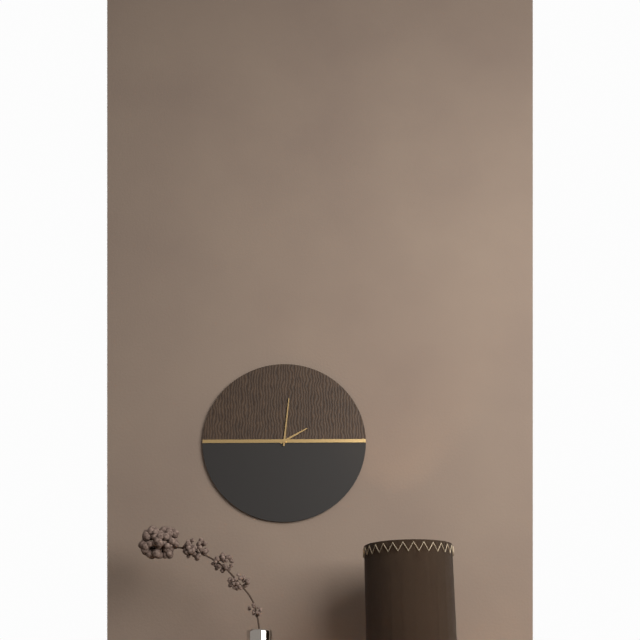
2:01
